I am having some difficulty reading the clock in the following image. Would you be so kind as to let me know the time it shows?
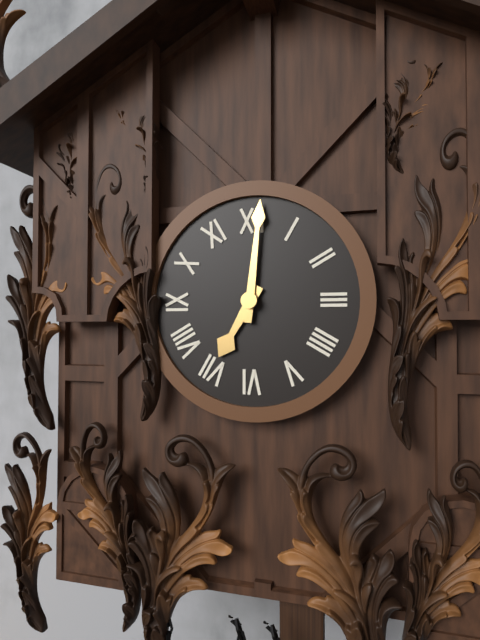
7:01
